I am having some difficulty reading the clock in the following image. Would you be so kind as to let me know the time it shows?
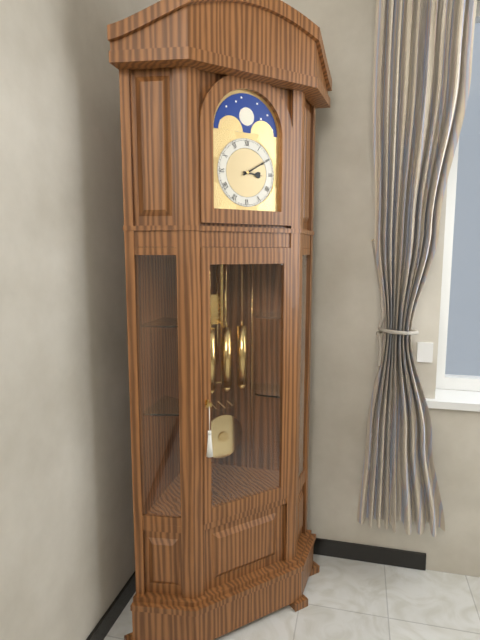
3:10
